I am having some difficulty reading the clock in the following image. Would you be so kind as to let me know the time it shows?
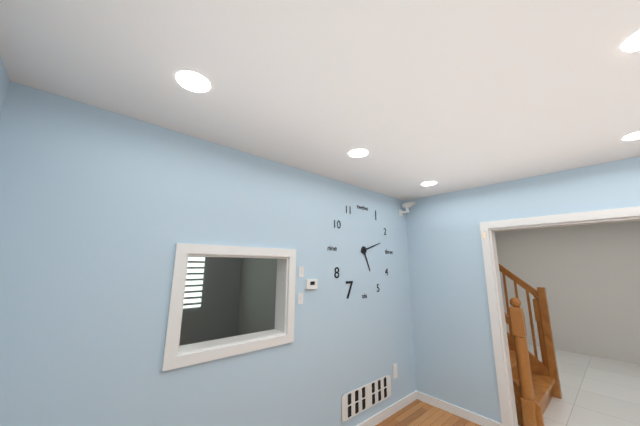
5:12
